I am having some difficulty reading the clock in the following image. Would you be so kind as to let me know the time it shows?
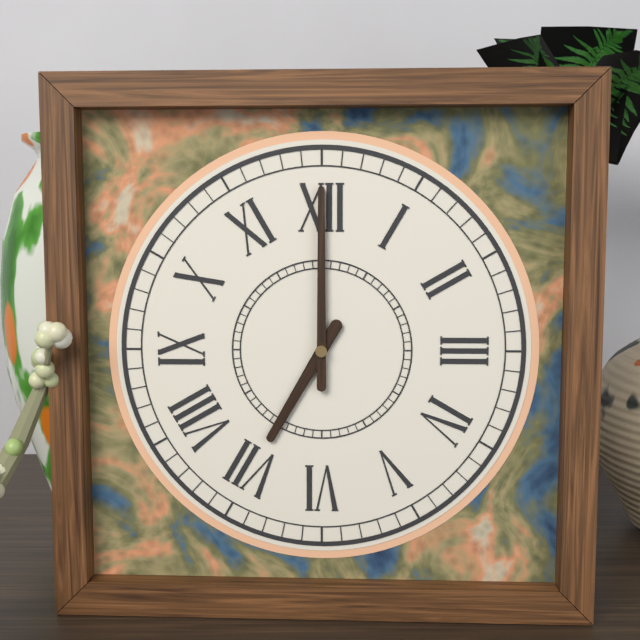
7:00
